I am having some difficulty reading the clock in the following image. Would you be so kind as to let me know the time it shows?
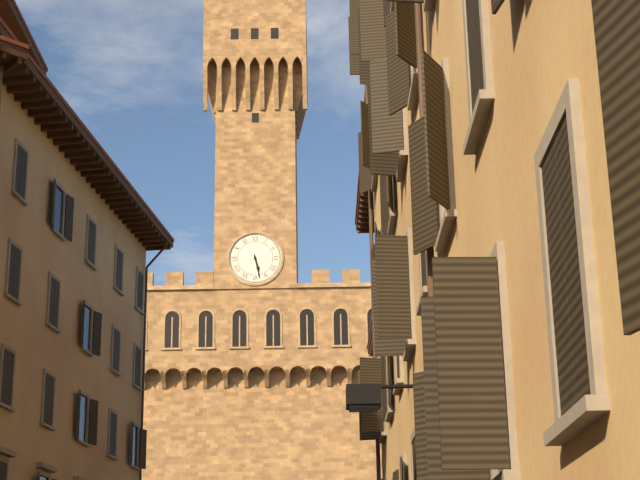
5:28
